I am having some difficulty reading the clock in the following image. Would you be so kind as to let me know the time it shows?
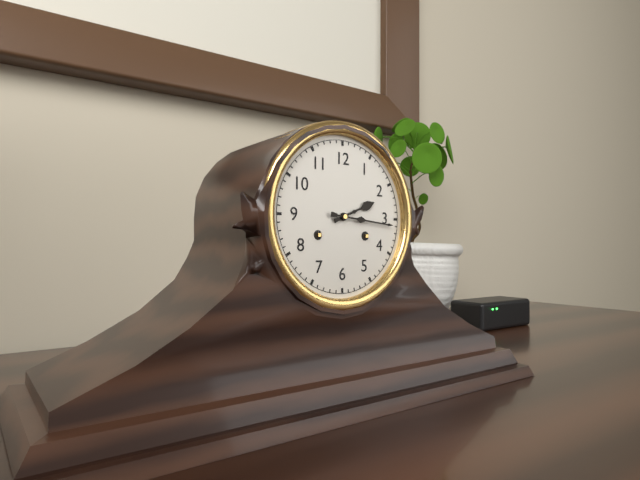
2:16
